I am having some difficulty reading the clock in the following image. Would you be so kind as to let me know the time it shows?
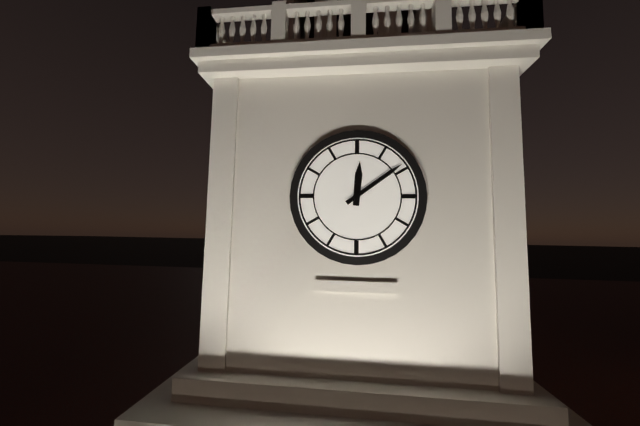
12:09
